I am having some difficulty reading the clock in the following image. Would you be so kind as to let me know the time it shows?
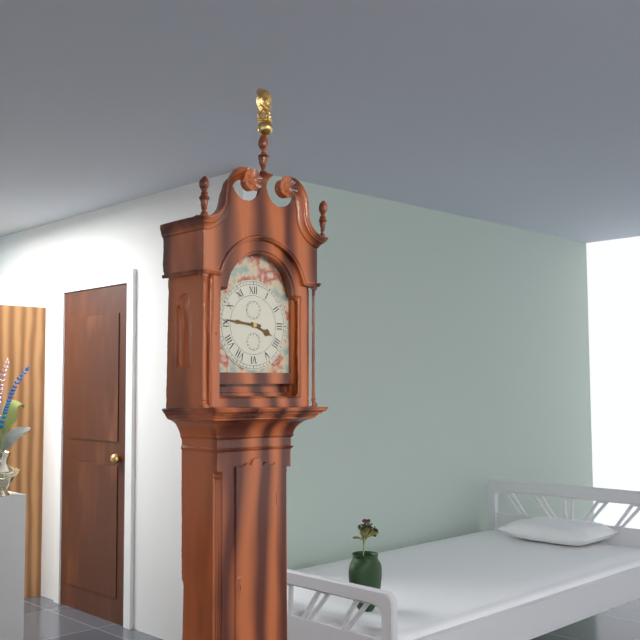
3:46
